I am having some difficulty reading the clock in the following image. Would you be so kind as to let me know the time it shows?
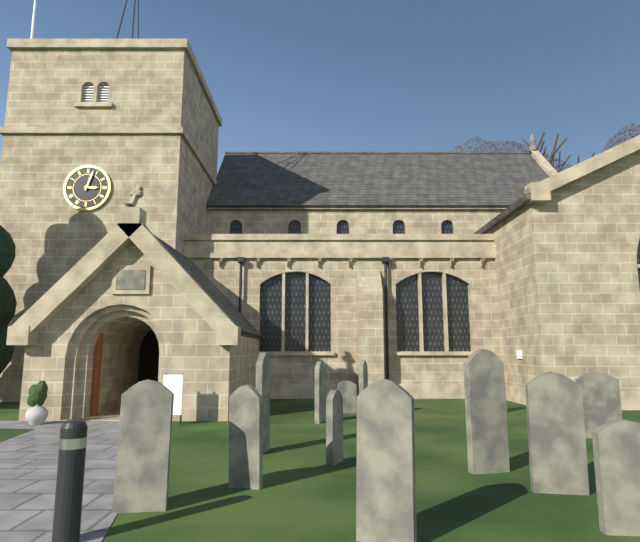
3:03
